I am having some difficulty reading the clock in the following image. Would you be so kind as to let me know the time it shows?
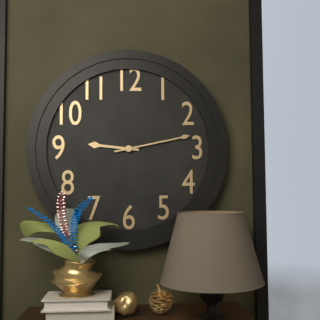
9:13
